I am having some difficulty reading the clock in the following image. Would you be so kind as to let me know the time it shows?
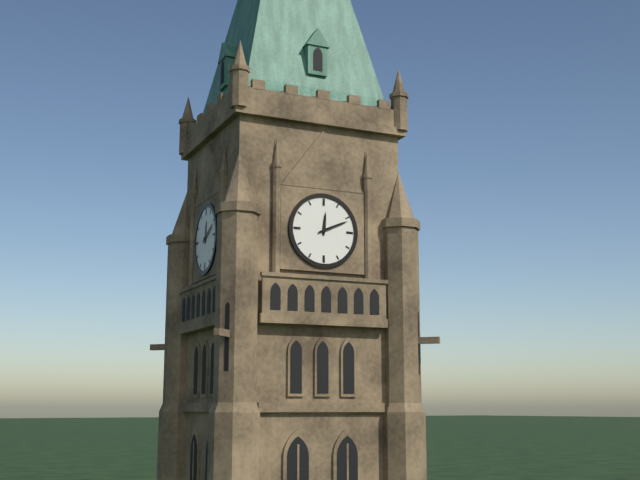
12:11
